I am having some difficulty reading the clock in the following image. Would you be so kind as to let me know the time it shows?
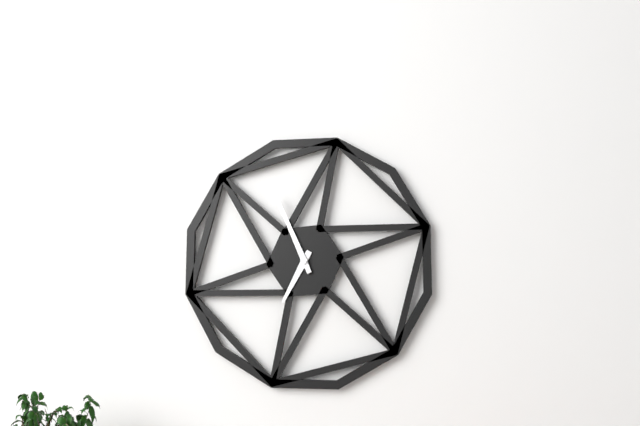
6:56
